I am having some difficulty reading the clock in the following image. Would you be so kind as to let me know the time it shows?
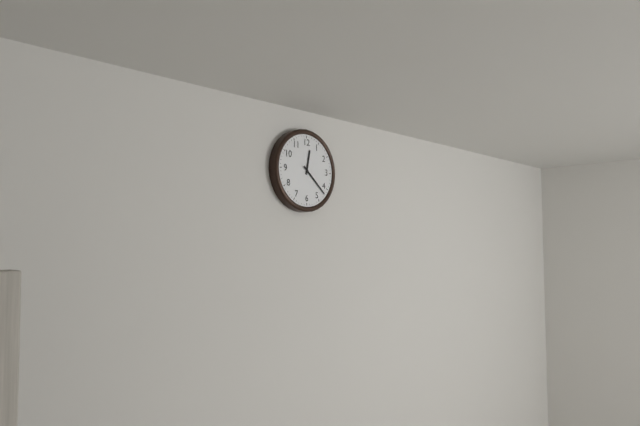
12:22
